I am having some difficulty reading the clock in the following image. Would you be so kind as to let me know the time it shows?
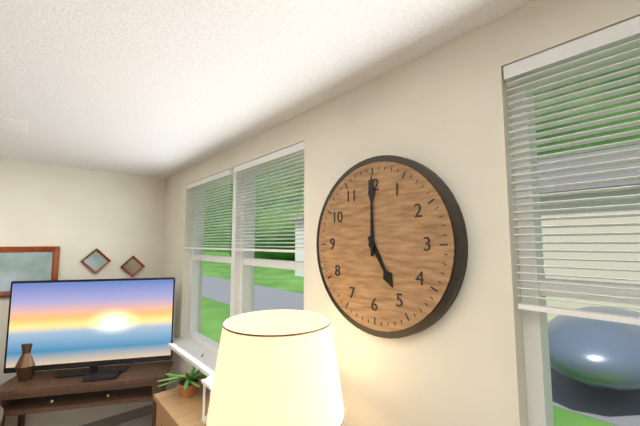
5:00
